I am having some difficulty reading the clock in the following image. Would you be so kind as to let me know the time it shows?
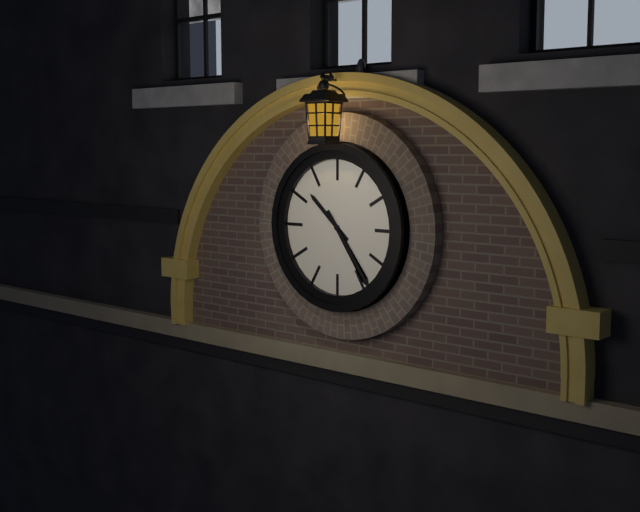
10:24
